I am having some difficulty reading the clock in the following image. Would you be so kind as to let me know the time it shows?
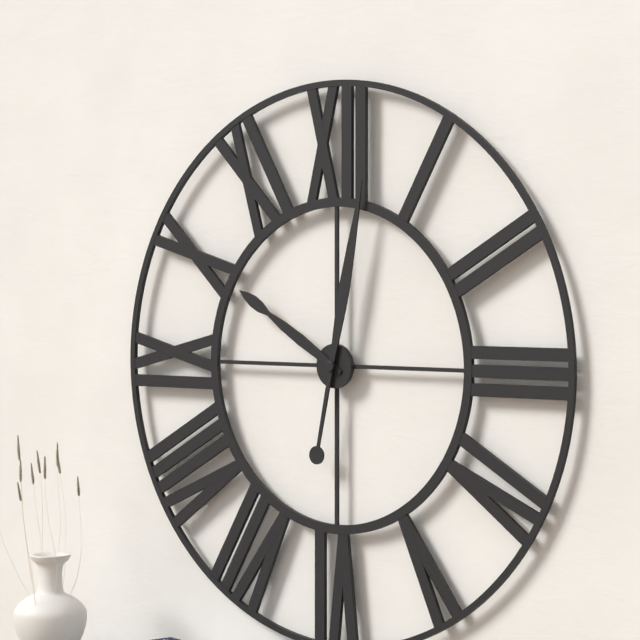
10:02
